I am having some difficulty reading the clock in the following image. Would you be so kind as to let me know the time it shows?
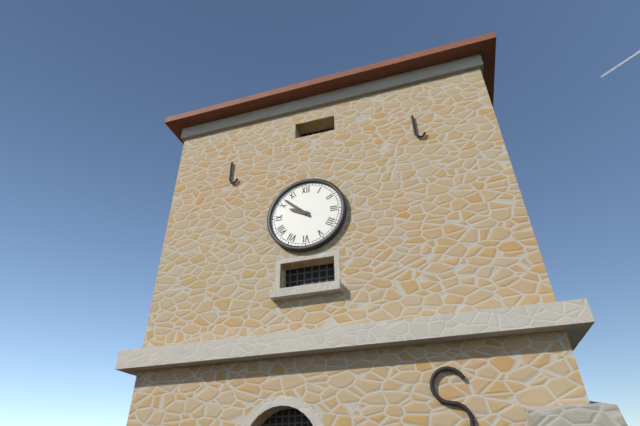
9:52
